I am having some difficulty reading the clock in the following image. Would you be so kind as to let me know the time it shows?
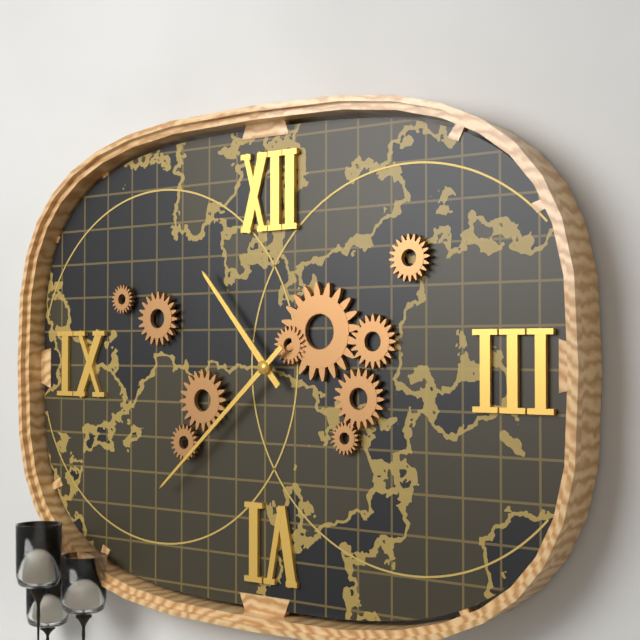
10:38
